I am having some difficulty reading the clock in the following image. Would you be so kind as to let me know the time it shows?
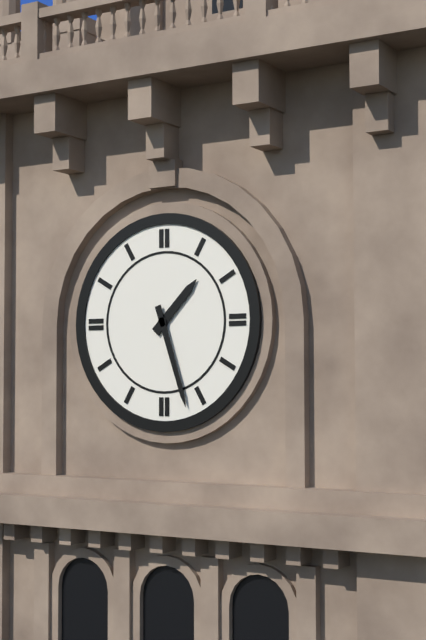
1:27
